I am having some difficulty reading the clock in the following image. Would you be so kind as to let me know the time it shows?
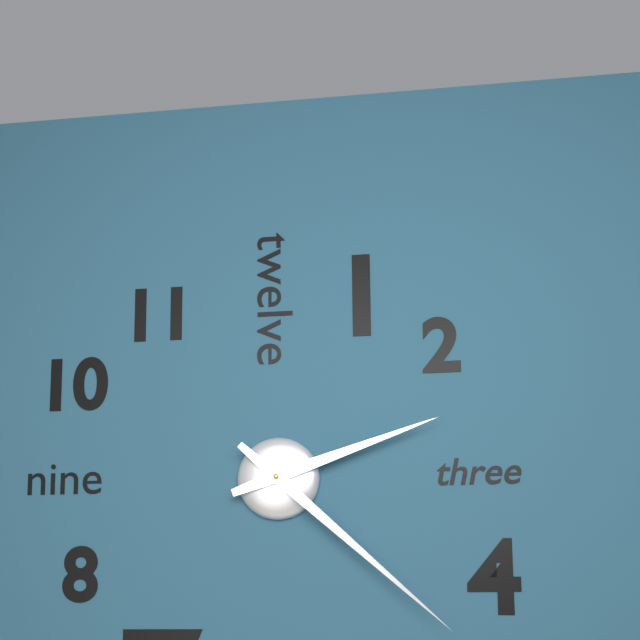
2:22
